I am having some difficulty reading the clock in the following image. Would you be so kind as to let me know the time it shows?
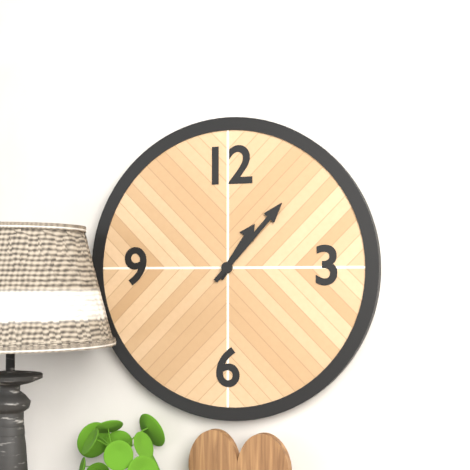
1:07
